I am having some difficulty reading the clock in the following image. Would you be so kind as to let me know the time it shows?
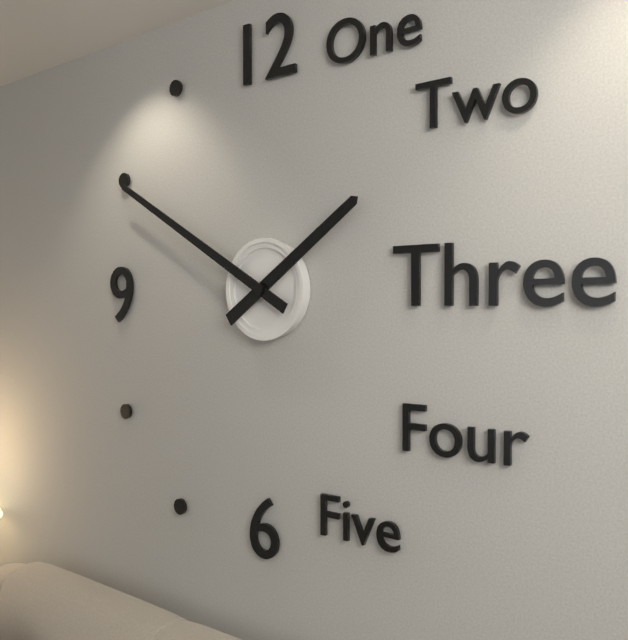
1:50
